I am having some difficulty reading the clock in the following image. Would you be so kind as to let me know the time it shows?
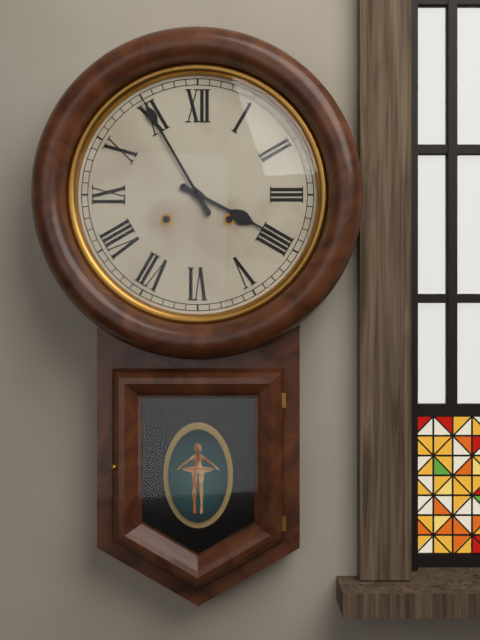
3:55
